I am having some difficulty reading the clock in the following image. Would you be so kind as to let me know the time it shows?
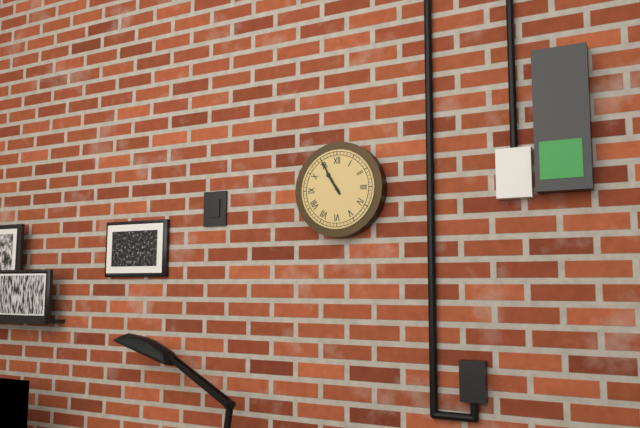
10:55
